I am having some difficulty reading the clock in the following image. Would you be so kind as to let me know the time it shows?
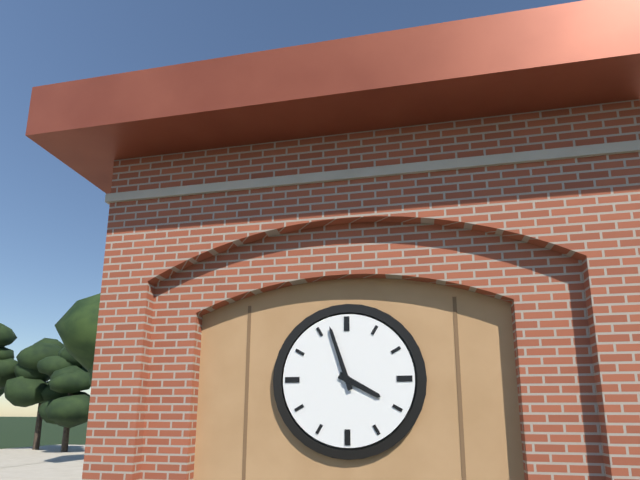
3:57
